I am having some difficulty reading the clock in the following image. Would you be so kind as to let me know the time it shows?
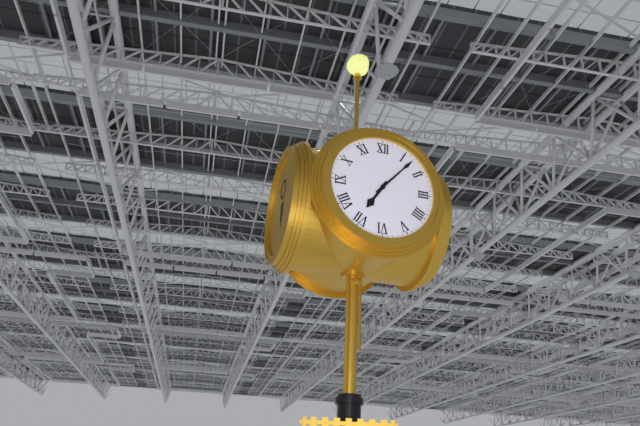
7:07
